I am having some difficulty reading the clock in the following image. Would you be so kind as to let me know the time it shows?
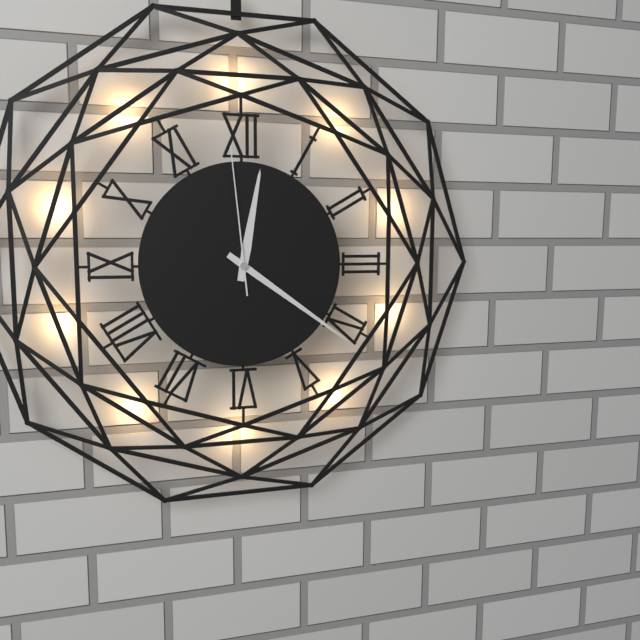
12:21:59
